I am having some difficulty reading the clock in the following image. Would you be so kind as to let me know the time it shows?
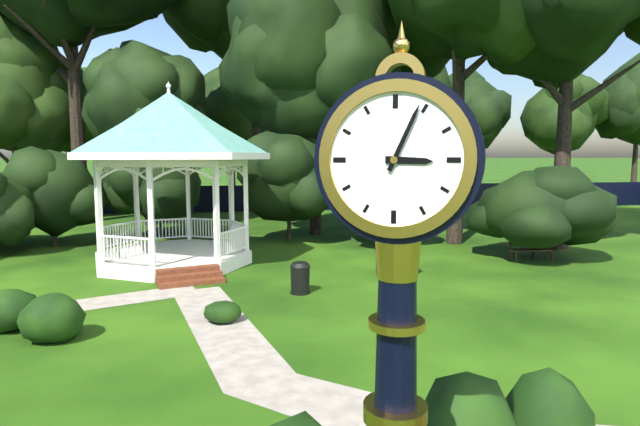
3:04
